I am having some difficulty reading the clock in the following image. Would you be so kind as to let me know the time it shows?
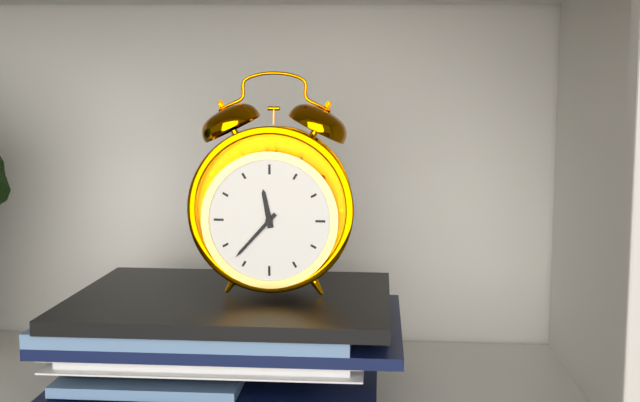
11:37
